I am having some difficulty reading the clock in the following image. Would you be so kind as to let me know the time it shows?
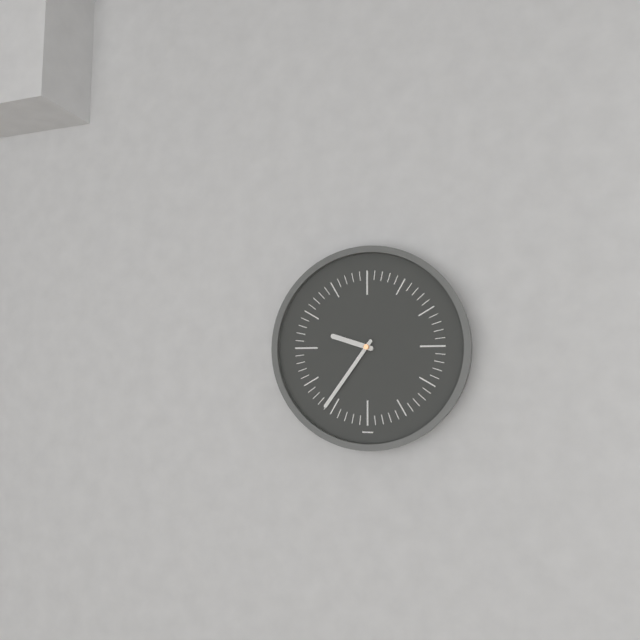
9:36
